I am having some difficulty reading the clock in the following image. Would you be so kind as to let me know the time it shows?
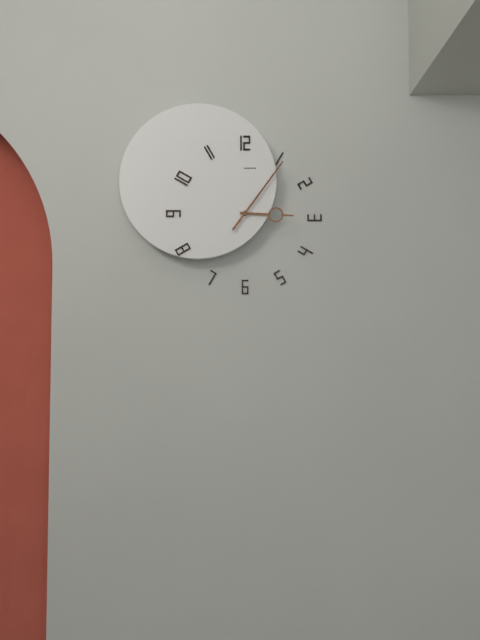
3:06
